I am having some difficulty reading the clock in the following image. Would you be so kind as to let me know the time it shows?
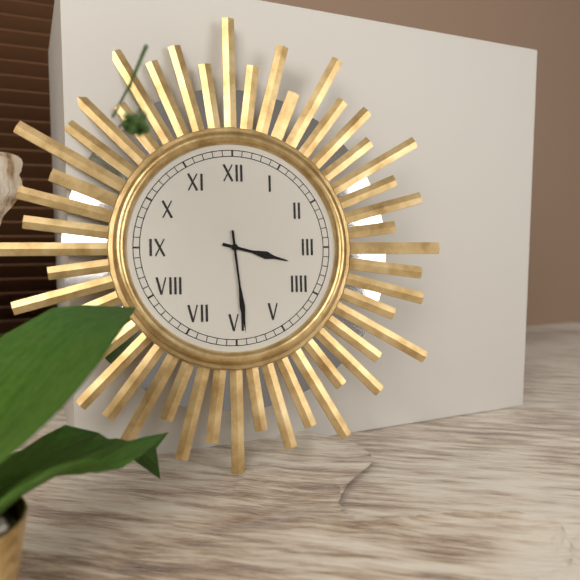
3:29
